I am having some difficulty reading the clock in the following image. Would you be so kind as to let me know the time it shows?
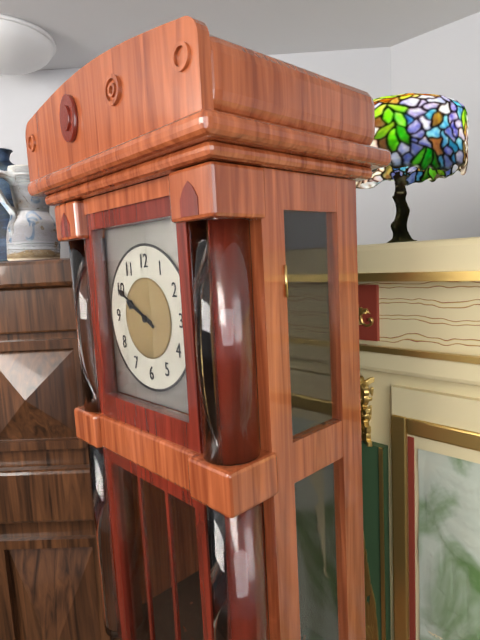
9:50
